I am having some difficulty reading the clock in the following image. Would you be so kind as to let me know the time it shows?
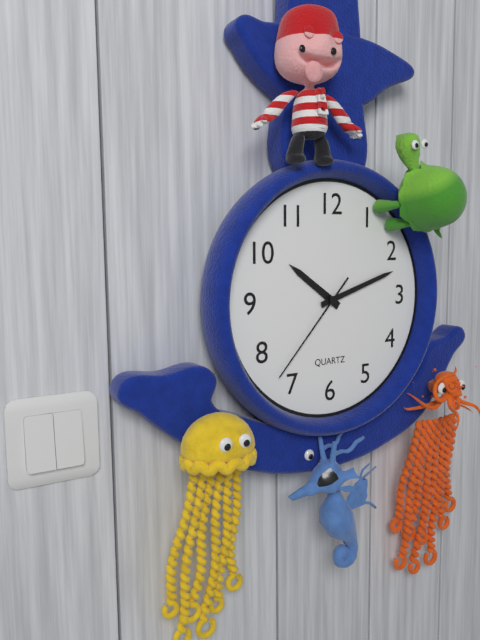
10:12:37
